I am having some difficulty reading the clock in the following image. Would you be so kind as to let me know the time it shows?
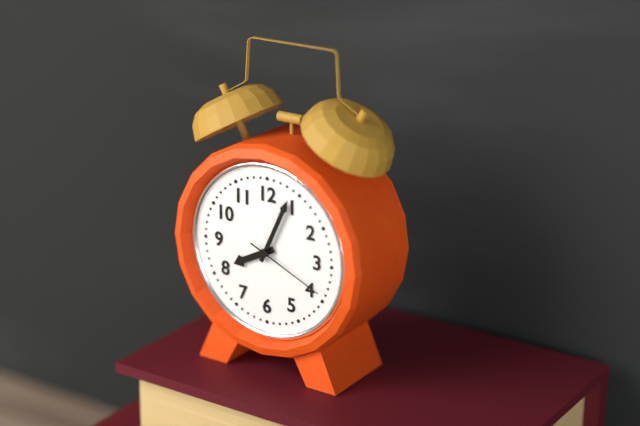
8:04:19
